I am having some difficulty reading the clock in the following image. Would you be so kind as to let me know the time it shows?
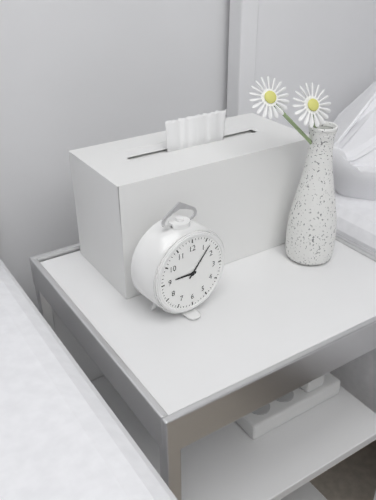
9:07
